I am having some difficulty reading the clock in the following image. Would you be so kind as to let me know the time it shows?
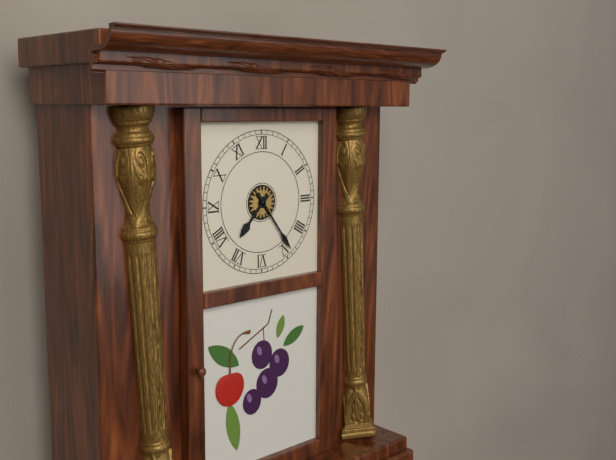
7:24
